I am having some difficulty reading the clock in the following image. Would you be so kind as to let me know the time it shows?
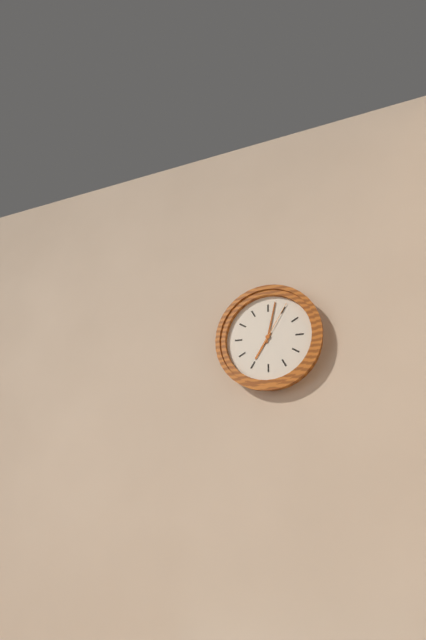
7:02
